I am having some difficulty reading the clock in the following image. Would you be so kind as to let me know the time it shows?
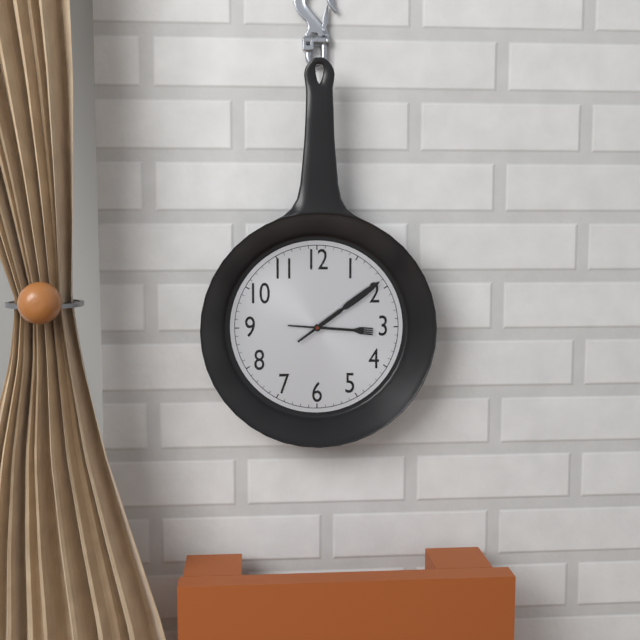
3:09
